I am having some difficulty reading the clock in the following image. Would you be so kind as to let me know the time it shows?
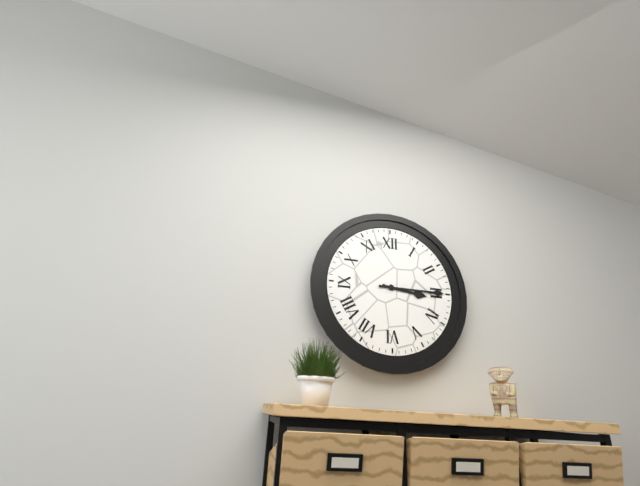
3:15
